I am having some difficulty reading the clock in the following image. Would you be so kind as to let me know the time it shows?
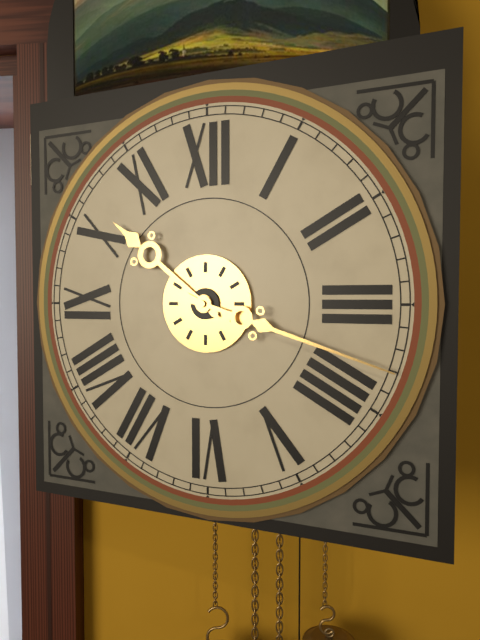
10:18
